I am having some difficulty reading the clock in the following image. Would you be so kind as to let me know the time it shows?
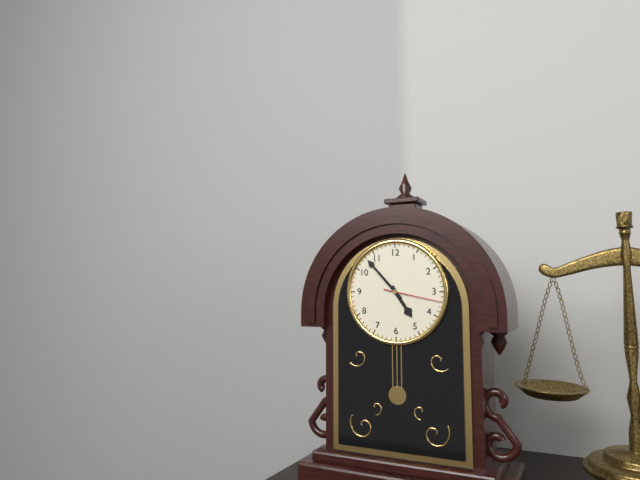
4:53:17
